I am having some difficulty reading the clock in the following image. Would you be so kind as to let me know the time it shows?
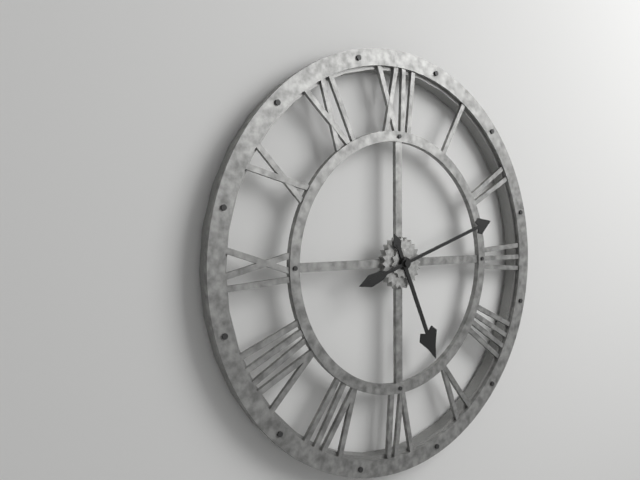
5:12
